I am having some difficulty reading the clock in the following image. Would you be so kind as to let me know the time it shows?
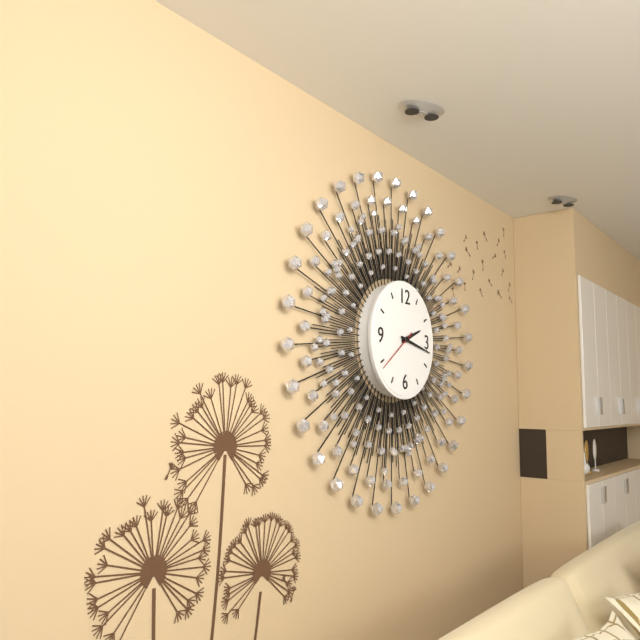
2:17
